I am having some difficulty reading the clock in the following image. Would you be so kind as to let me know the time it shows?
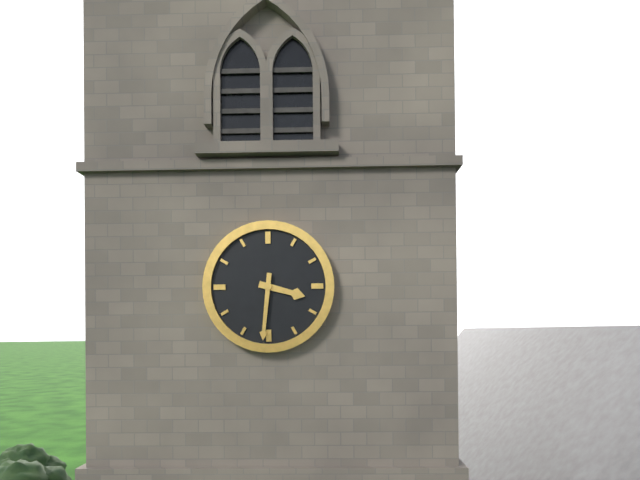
3:31
